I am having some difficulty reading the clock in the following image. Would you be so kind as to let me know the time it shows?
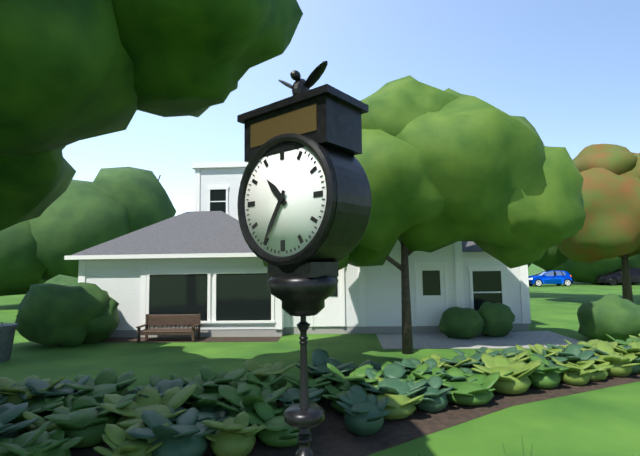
10:35
